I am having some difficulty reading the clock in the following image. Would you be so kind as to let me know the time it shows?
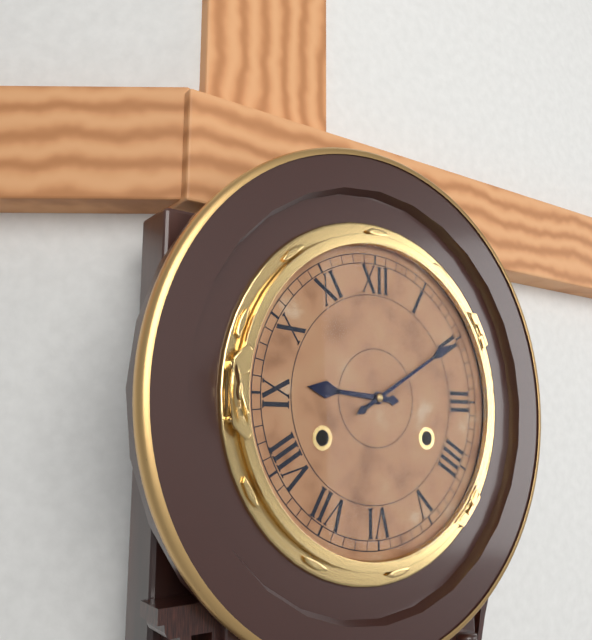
9:10
